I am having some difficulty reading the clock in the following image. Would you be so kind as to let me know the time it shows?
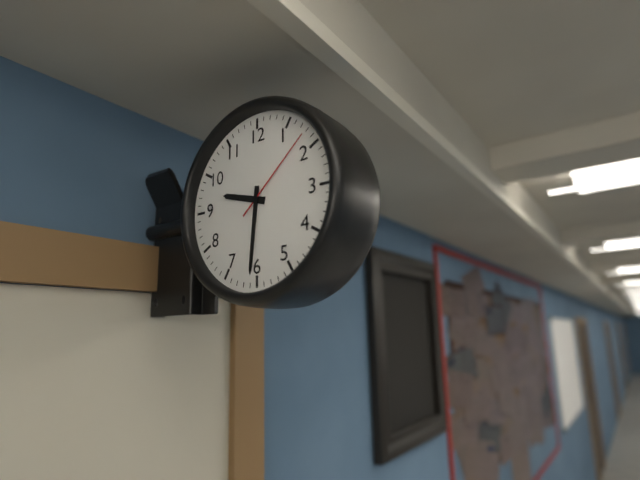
9:31:08
